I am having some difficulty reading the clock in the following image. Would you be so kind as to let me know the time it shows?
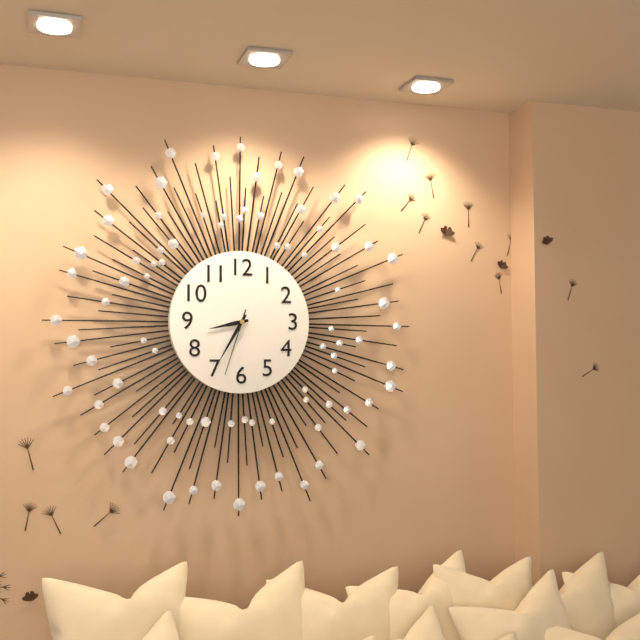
8:35:33
